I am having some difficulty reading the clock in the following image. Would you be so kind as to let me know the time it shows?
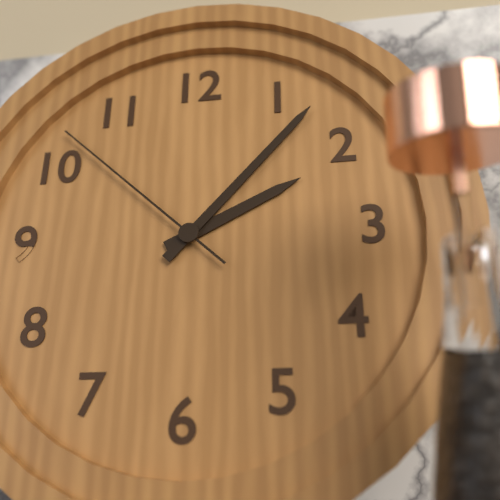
2:07:52
